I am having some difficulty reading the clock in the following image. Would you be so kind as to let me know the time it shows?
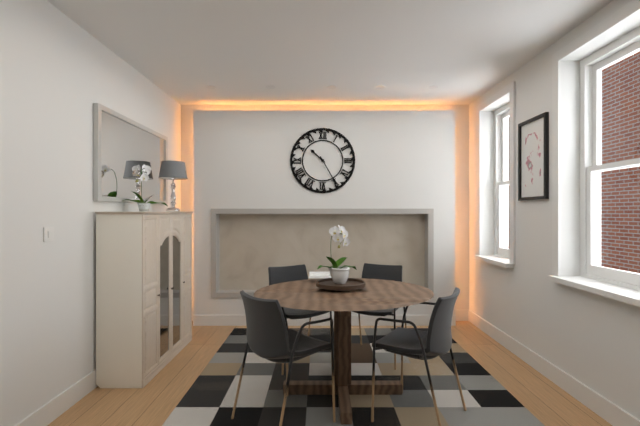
10:25
